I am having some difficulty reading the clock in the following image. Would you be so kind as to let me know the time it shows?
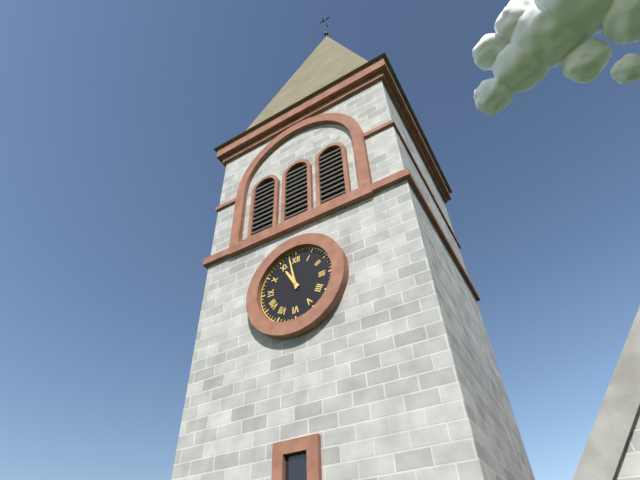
10:58
